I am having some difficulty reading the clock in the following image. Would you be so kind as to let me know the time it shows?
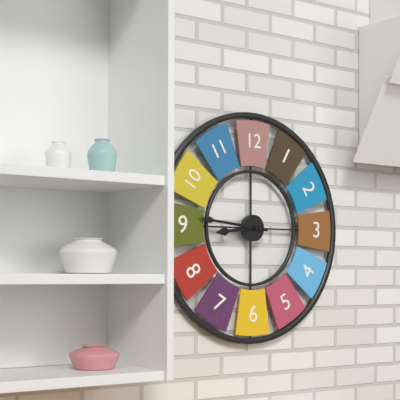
8:46
